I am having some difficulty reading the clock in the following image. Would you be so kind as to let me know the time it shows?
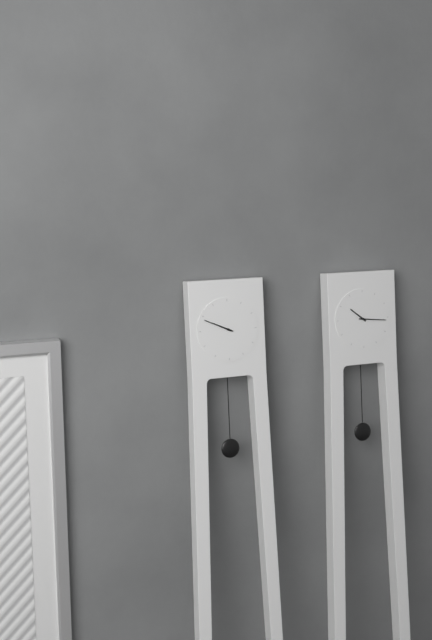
9:49
